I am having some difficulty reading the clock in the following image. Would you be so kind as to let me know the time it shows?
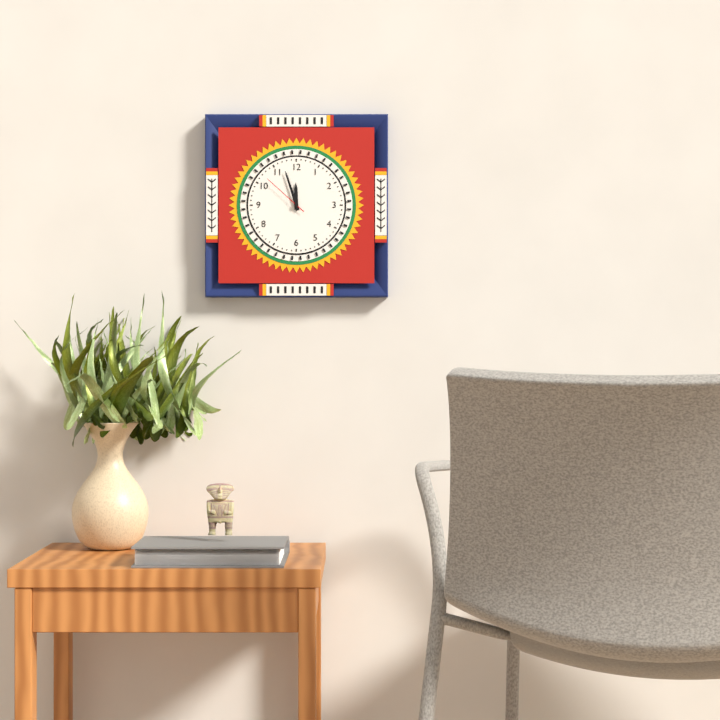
11:57
